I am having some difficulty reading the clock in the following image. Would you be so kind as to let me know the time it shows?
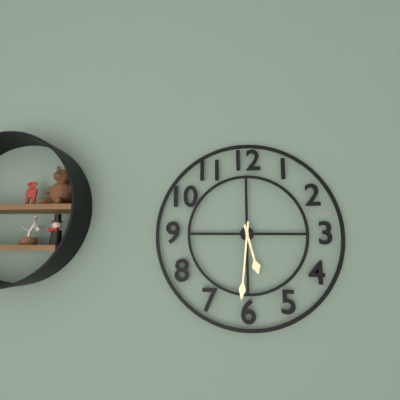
5:31
